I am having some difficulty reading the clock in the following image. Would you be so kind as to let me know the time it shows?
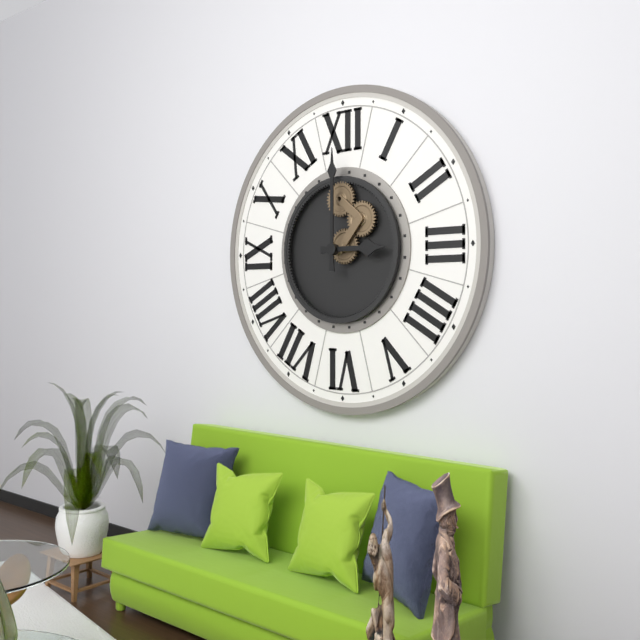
3:00
